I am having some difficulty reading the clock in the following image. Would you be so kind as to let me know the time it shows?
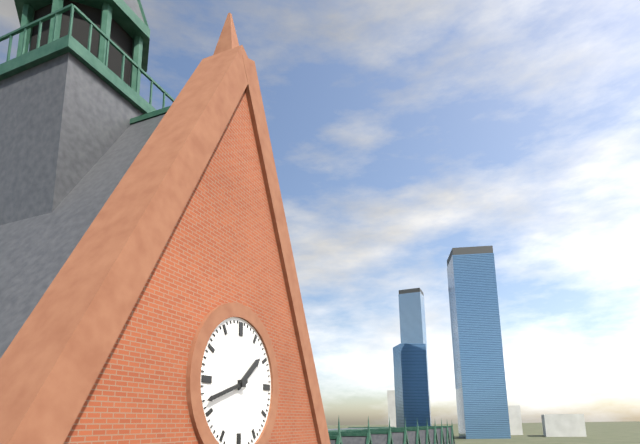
1:42
